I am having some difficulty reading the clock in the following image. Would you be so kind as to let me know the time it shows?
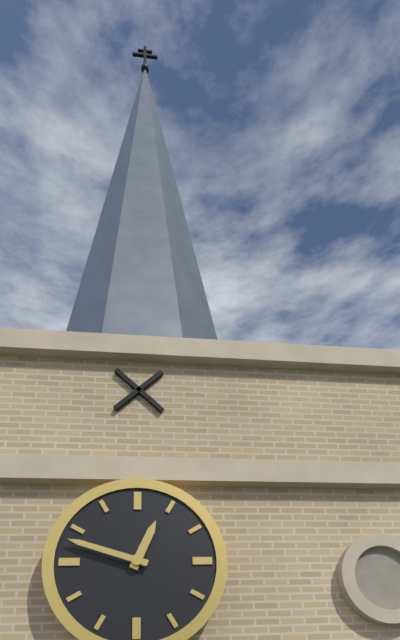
12:48
